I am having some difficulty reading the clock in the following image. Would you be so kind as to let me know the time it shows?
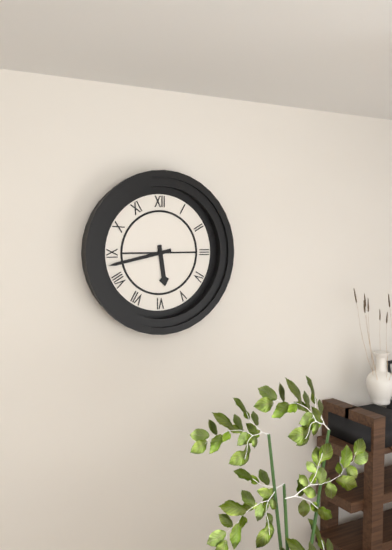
5:43
